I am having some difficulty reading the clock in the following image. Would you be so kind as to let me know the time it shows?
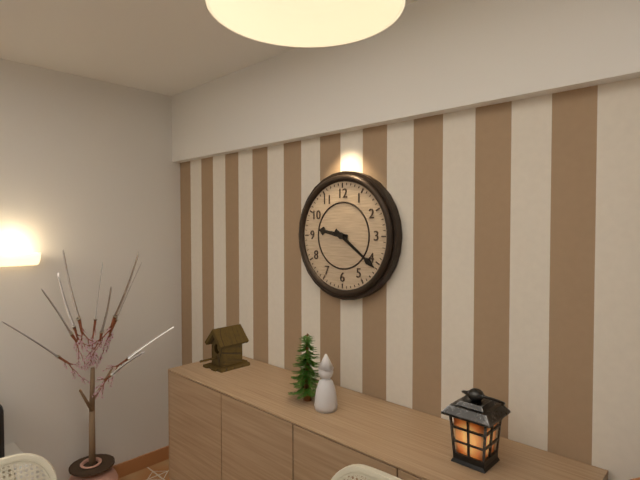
9:21
